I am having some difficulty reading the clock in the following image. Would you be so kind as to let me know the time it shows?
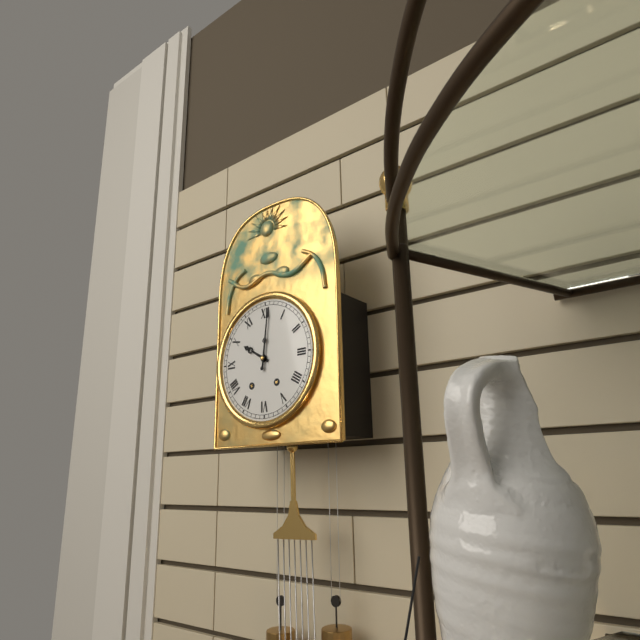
10:01
